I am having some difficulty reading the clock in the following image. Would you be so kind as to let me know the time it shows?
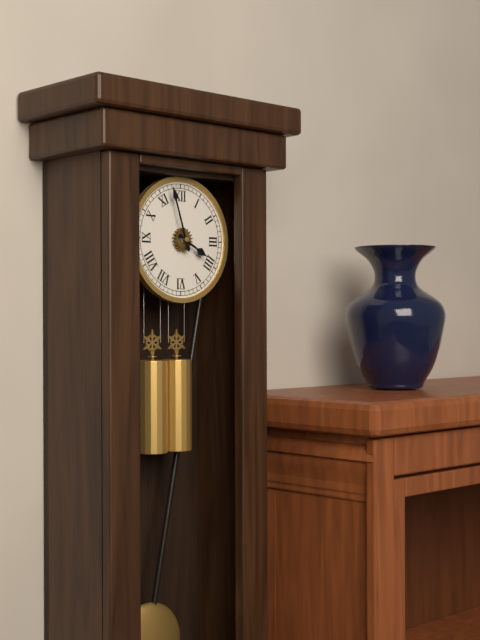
3:57
